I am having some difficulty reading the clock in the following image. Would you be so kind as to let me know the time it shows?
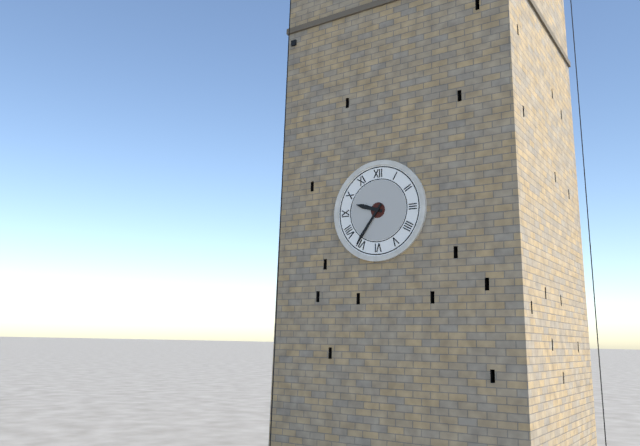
9:36
